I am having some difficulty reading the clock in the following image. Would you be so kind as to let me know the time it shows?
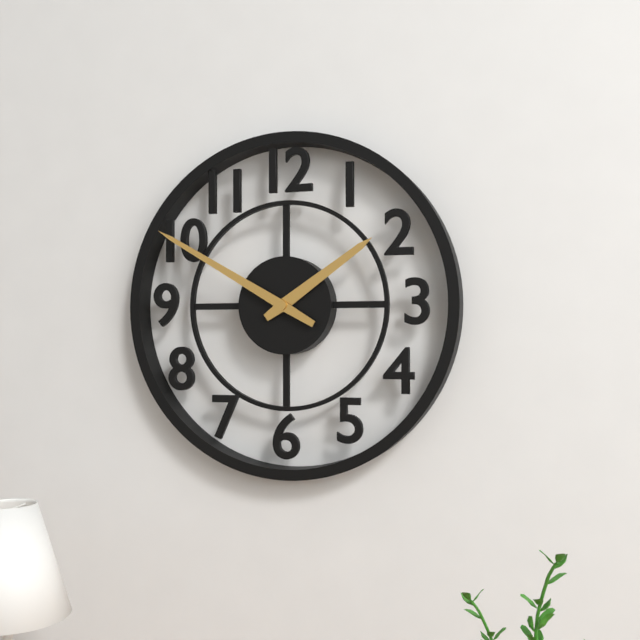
1:50
